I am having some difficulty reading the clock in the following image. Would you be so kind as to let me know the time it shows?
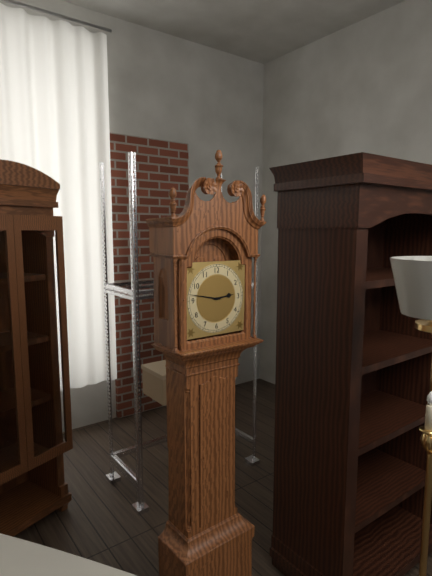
2:47
